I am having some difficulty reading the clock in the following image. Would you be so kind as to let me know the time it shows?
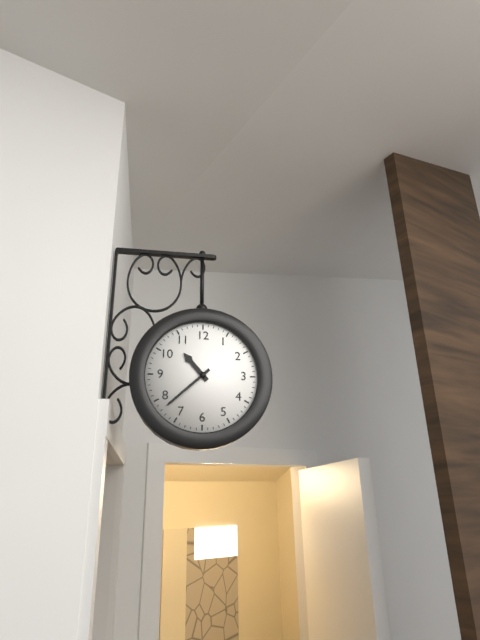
10:38
